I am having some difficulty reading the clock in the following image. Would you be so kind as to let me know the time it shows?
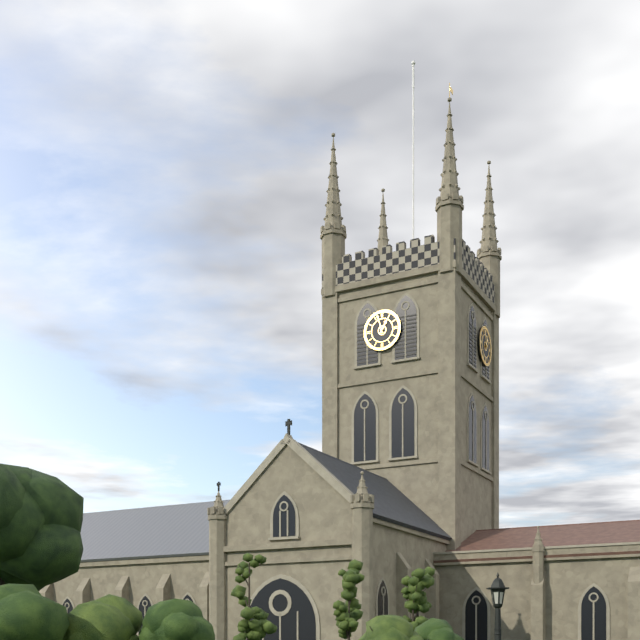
12:57
